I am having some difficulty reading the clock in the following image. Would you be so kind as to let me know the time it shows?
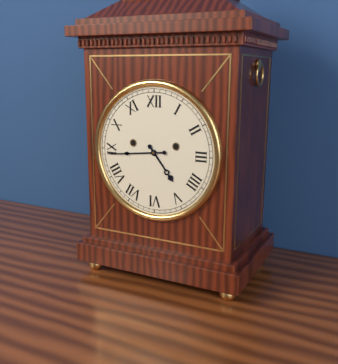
4:44
